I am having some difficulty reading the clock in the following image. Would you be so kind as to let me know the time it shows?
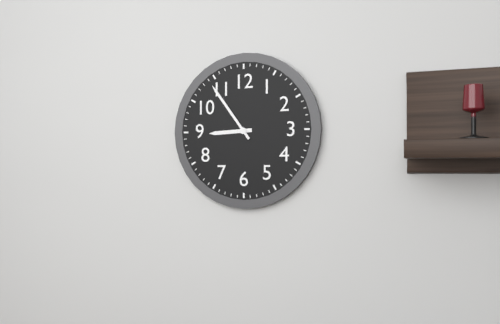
8:54
